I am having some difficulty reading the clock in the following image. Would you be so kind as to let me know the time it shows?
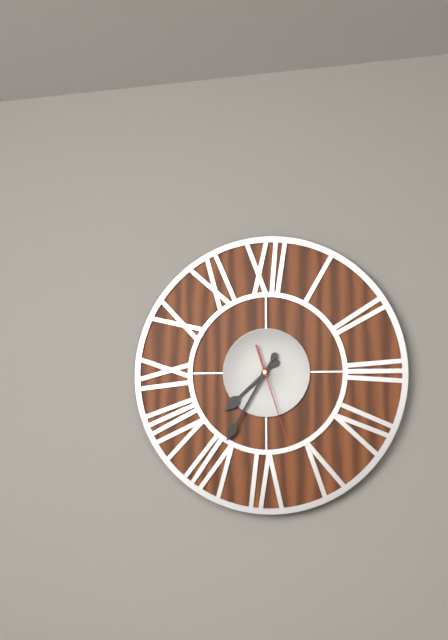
7:35:27
